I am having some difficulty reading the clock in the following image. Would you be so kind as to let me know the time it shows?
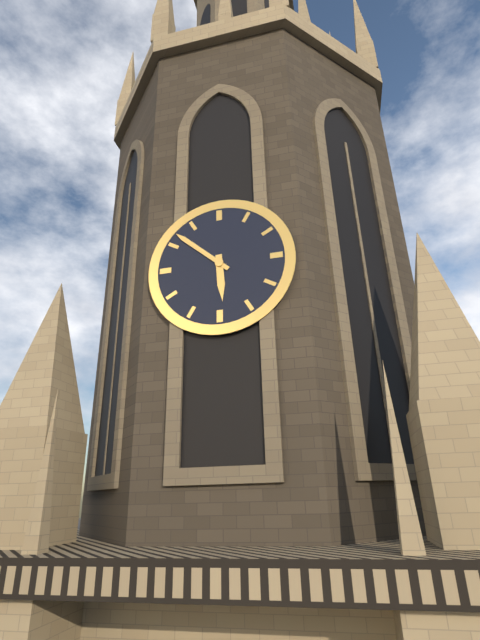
5:52
